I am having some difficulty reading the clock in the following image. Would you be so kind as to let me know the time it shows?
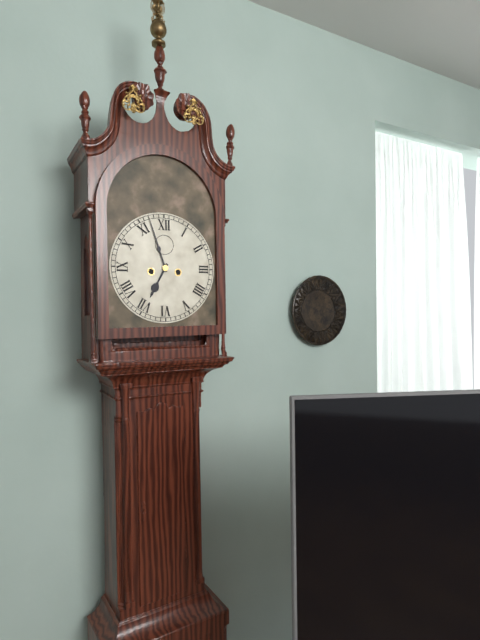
6:57
